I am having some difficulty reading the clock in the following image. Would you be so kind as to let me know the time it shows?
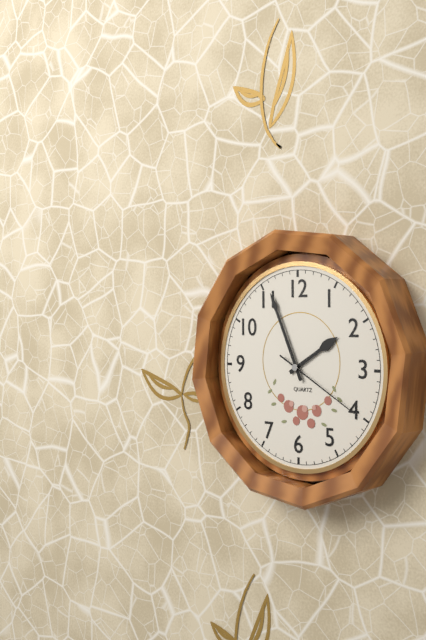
1:56:20
